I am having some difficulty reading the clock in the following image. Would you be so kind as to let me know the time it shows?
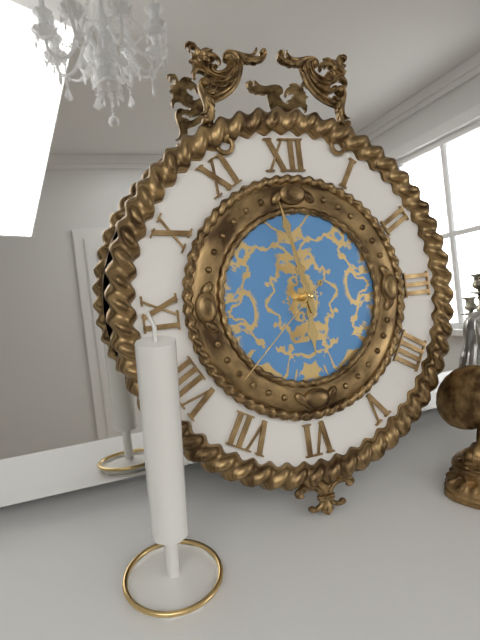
5:58:38
